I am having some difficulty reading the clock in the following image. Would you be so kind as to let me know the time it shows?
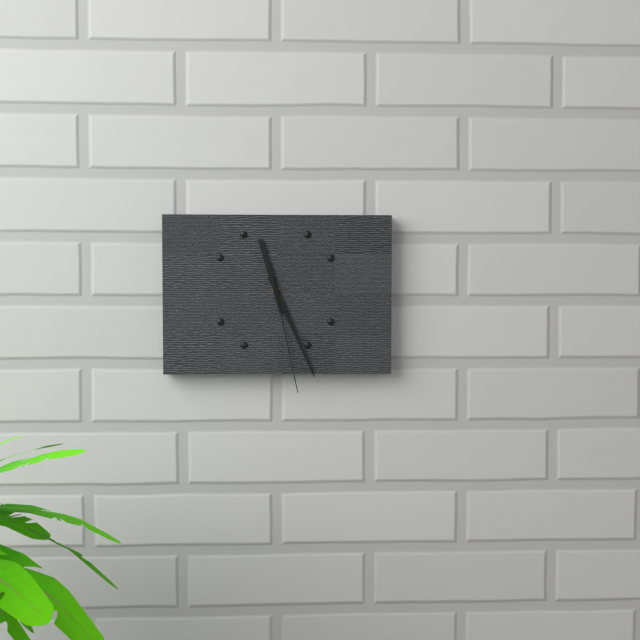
11:26:28
